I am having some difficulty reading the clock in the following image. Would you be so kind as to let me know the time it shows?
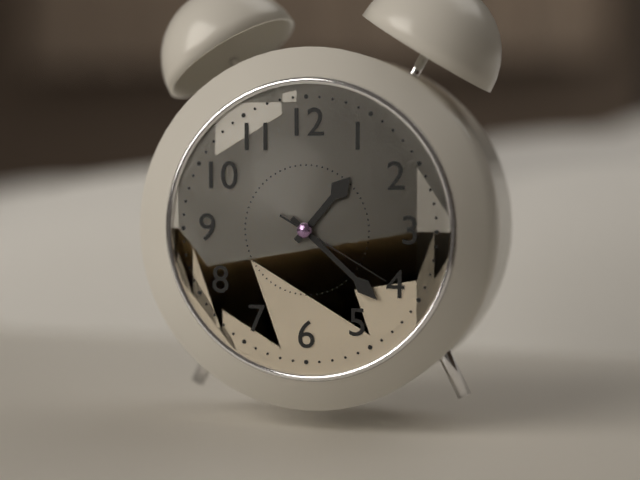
1:22:20
